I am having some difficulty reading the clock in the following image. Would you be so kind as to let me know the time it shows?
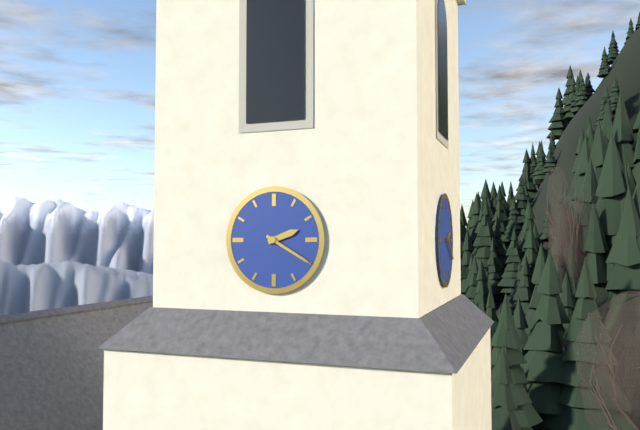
2:20
